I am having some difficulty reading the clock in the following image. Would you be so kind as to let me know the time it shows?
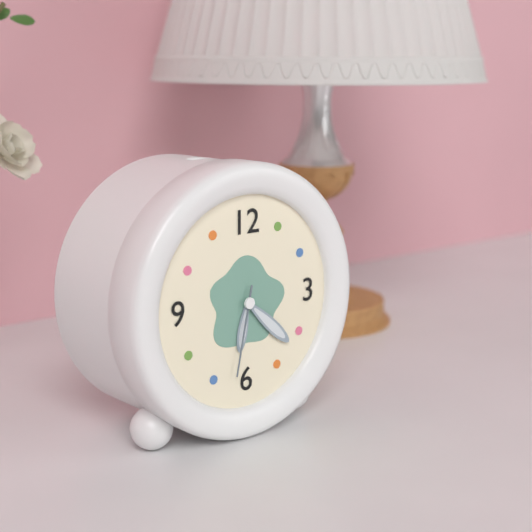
6:22:32
